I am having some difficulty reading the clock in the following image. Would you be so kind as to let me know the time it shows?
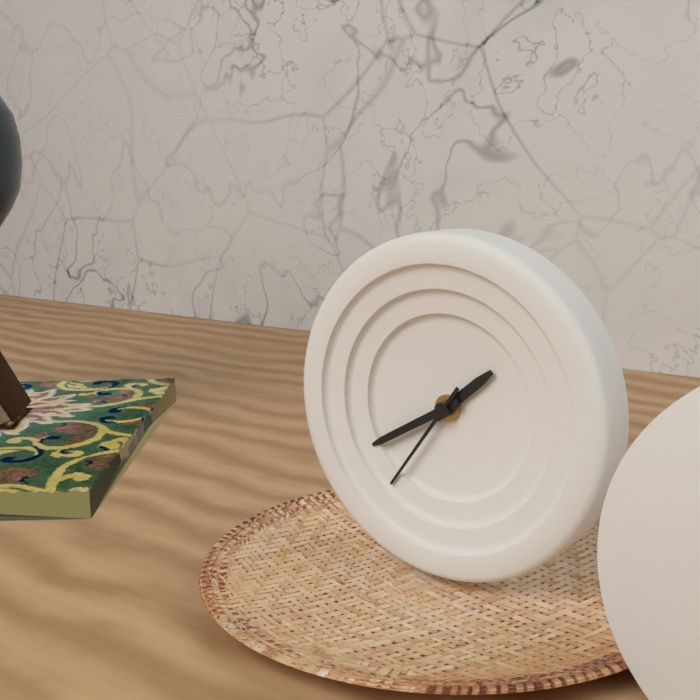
1:40:36
